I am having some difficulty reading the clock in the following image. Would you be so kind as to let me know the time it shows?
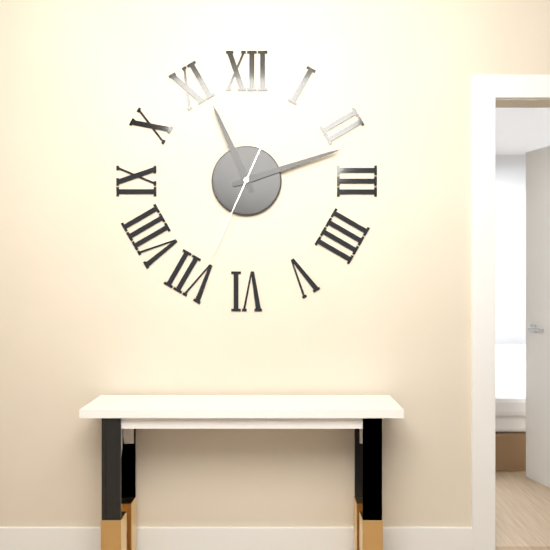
11:12:34
